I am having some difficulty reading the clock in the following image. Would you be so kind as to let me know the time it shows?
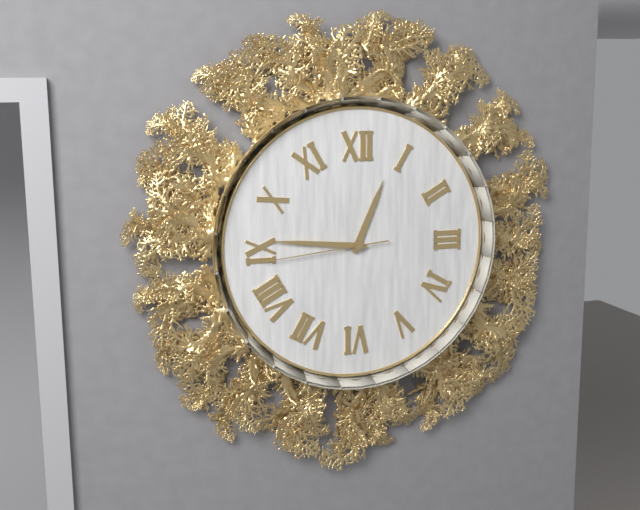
12:46:44
